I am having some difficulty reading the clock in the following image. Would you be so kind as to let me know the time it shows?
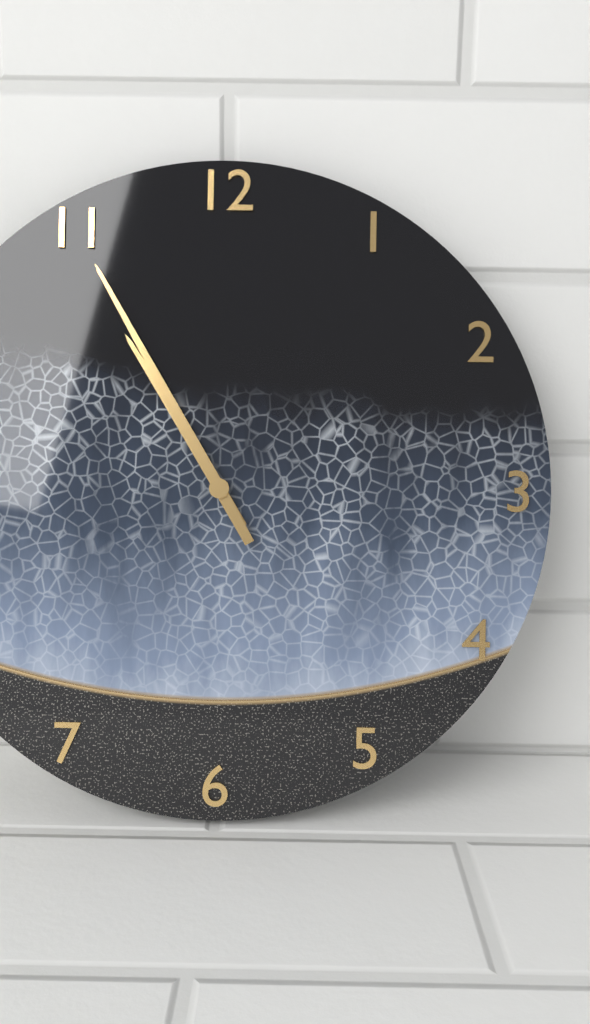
10:55
